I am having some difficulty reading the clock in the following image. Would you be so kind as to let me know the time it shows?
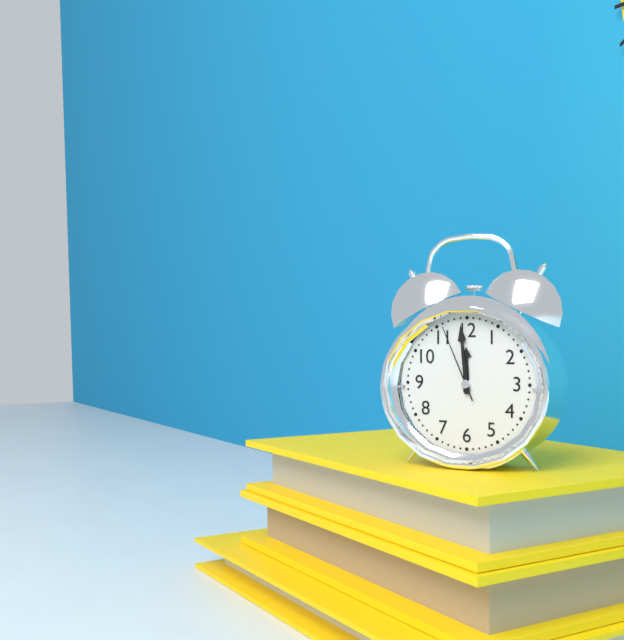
11:59:56
